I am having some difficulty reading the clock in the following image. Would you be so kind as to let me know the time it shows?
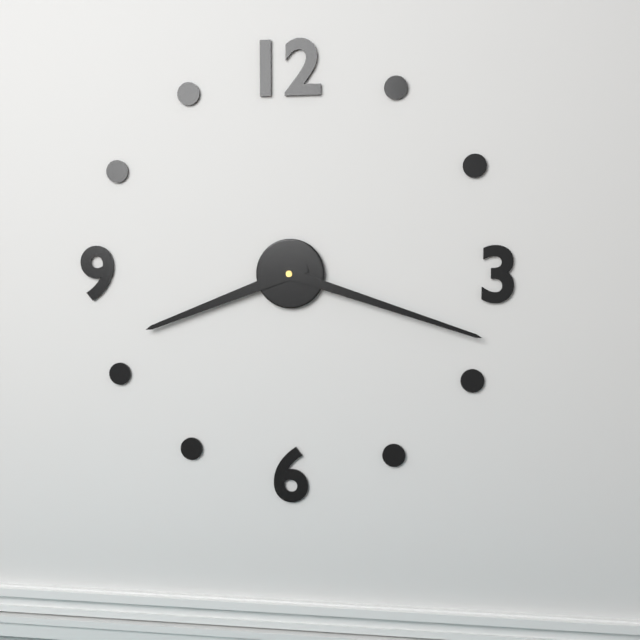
8:18
